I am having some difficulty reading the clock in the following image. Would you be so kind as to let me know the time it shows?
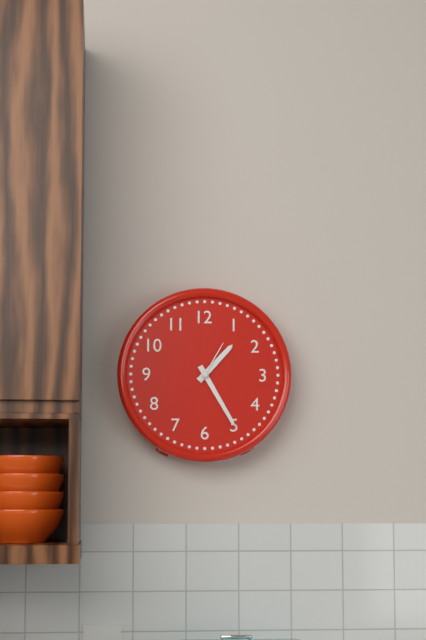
1:25
